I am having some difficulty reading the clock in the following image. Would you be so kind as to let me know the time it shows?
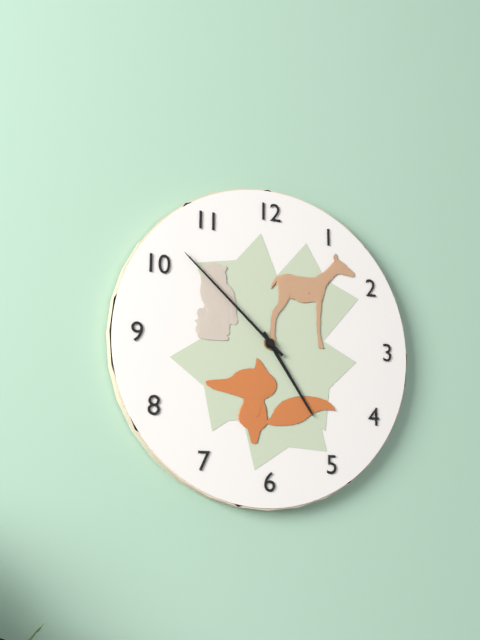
4:52
